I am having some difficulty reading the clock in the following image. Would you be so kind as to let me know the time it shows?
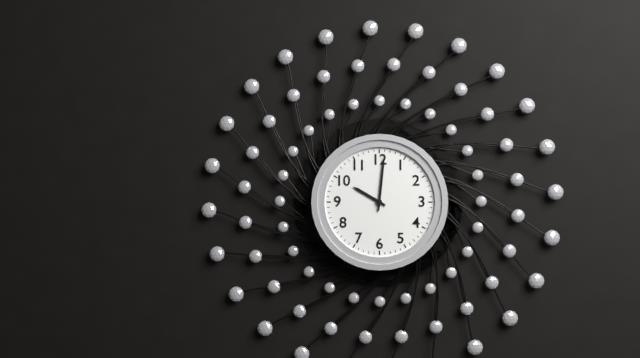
10:01
